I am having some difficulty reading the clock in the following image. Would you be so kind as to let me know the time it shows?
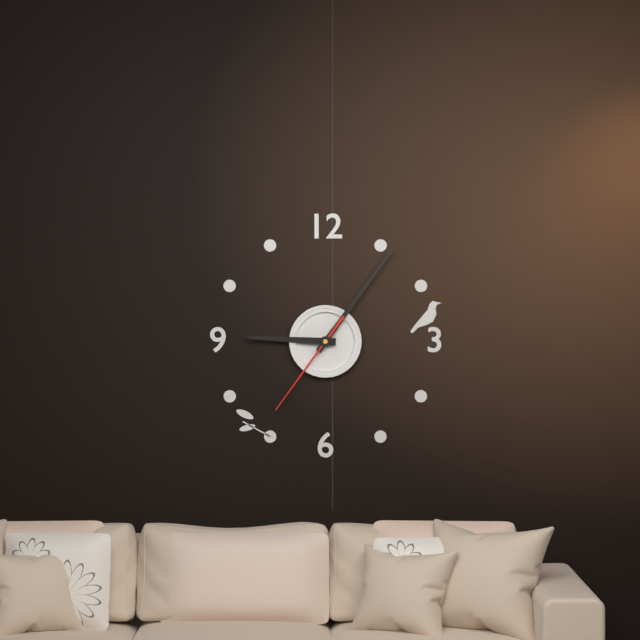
9:06:36
